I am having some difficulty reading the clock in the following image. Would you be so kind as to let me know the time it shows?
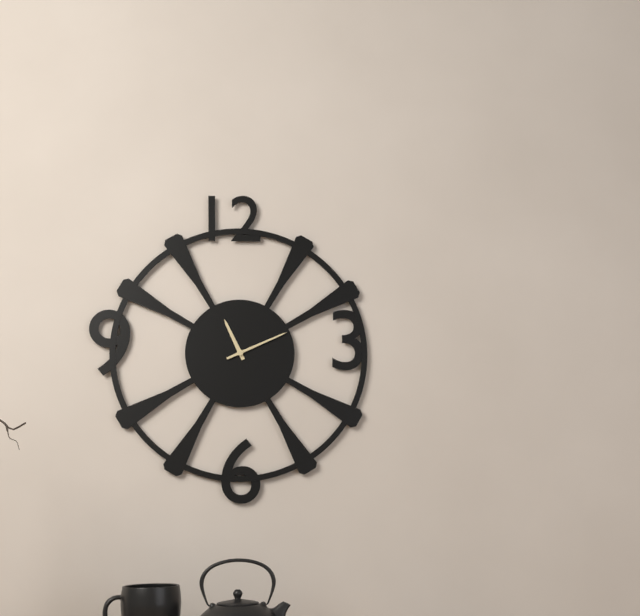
11:11
